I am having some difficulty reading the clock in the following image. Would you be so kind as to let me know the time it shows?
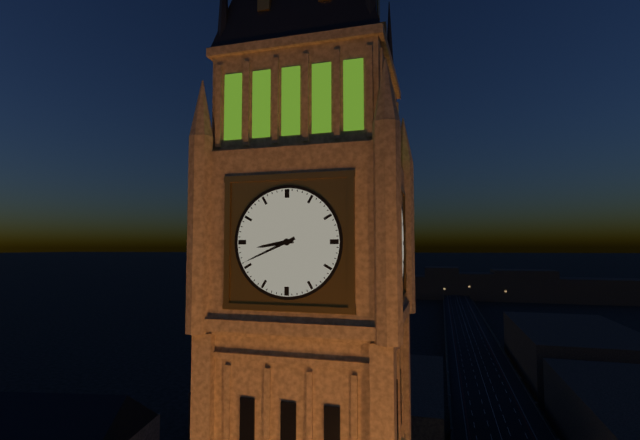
8:41
